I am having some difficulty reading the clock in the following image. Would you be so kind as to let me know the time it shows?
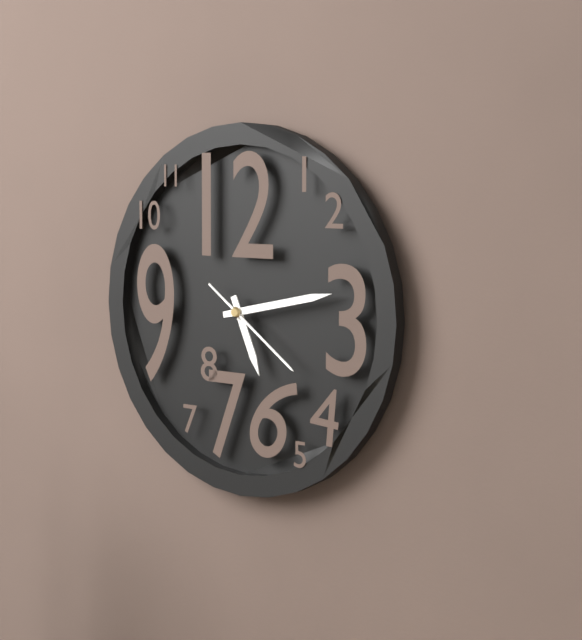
5:13:21
